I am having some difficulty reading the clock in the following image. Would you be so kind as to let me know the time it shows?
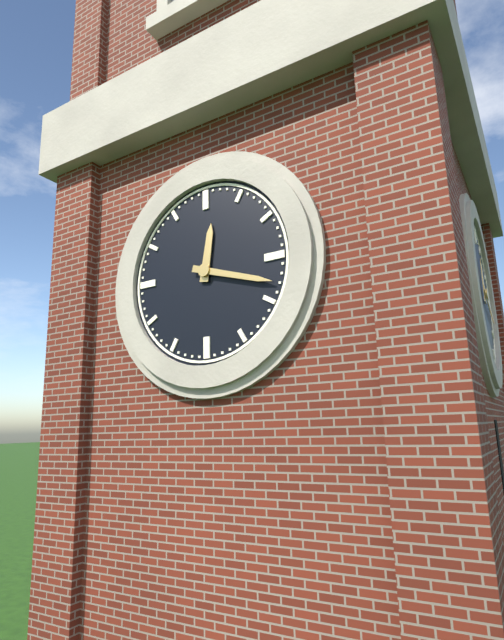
12:18
